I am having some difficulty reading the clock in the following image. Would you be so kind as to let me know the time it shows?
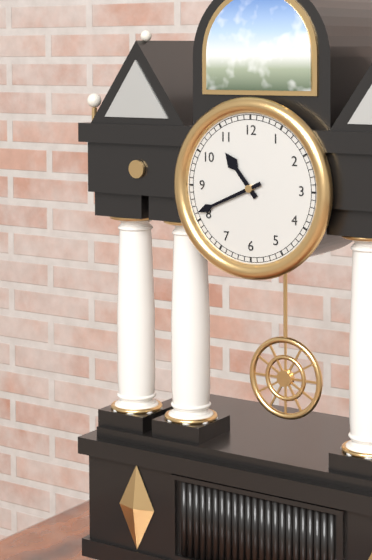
10:41
